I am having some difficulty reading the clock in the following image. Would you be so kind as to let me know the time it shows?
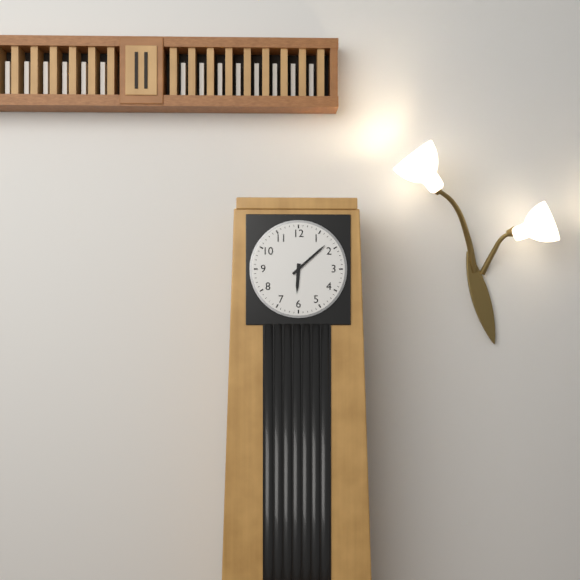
6:08
